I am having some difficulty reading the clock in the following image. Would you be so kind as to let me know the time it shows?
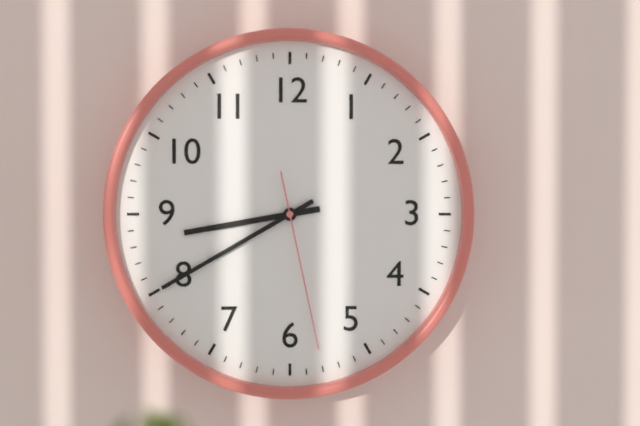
8:40:28
